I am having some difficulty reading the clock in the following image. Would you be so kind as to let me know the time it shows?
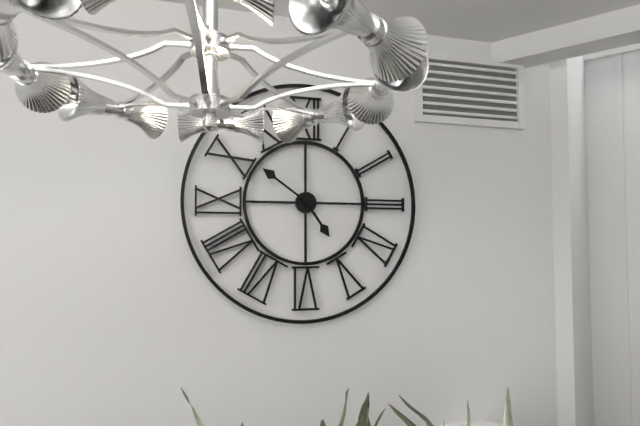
4:51
